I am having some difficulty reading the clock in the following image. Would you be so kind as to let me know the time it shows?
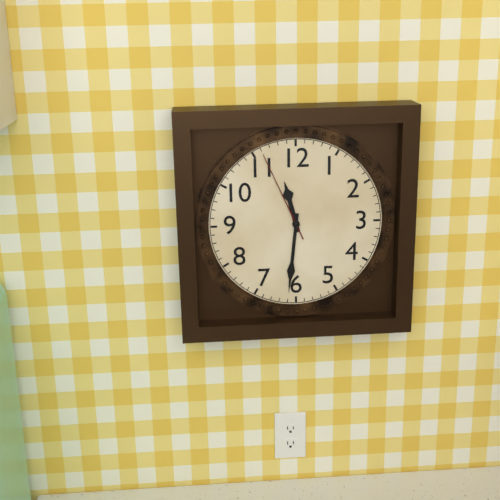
11:31:56
